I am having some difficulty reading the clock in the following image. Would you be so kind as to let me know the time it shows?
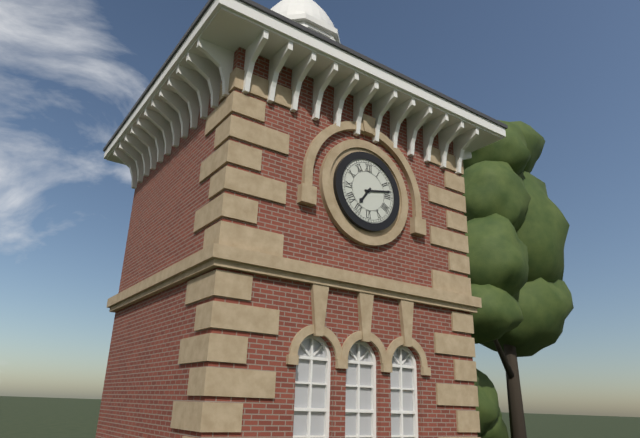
7:13
